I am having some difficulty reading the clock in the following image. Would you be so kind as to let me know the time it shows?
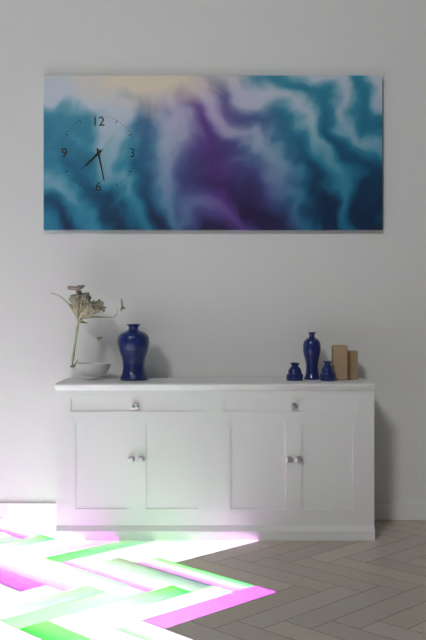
7:28
